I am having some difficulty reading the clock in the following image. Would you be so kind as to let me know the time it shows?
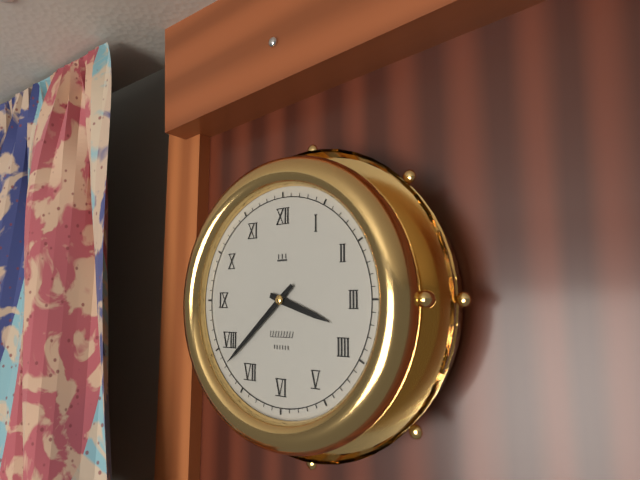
3:38
